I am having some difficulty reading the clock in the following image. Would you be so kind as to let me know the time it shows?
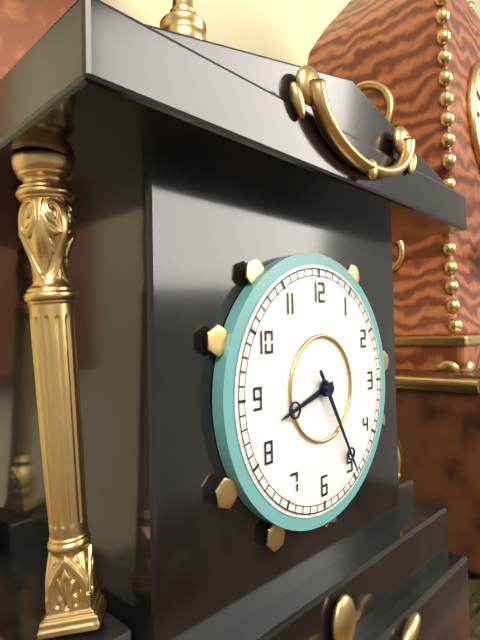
8:25
